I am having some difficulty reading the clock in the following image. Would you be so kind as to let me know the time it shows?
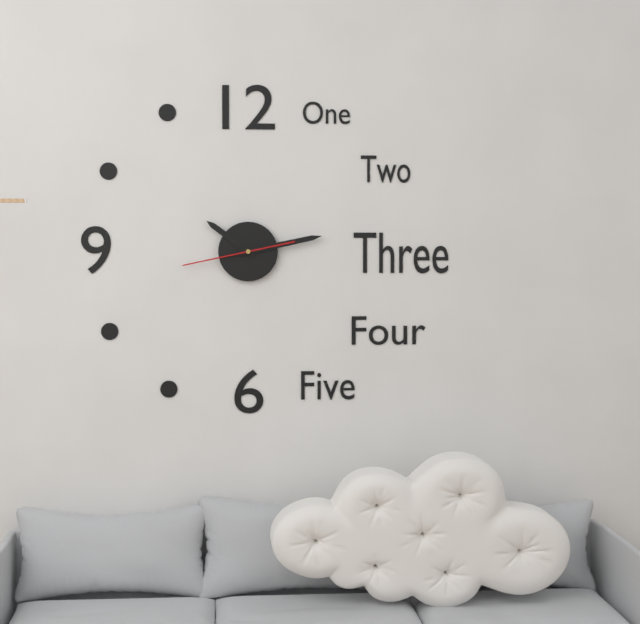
10:13:43
